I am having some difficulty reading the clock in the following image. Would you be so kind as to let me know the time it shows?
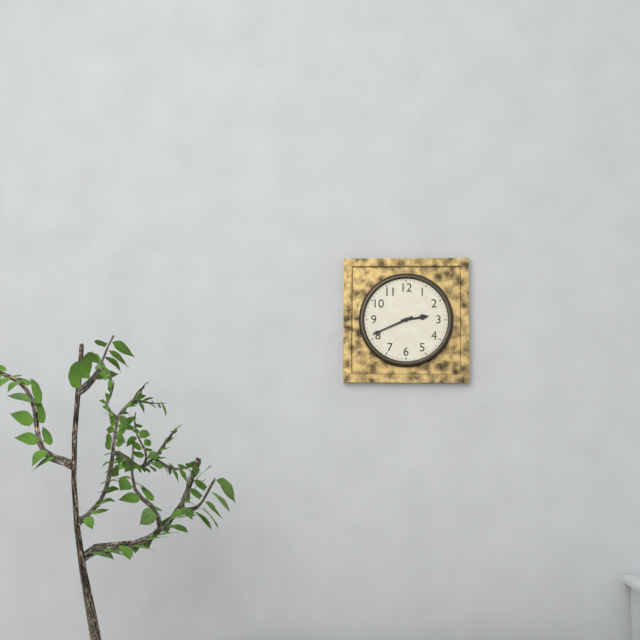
2:41
